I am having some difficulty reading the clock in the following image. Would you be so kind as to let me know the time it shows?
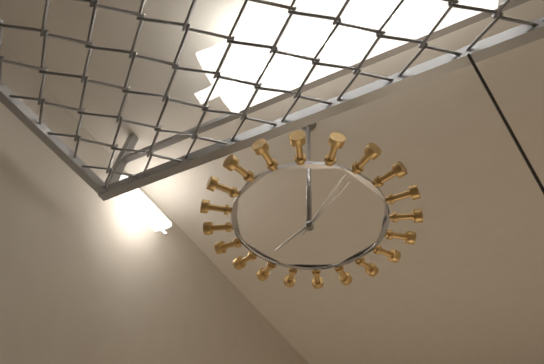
8:08:09
